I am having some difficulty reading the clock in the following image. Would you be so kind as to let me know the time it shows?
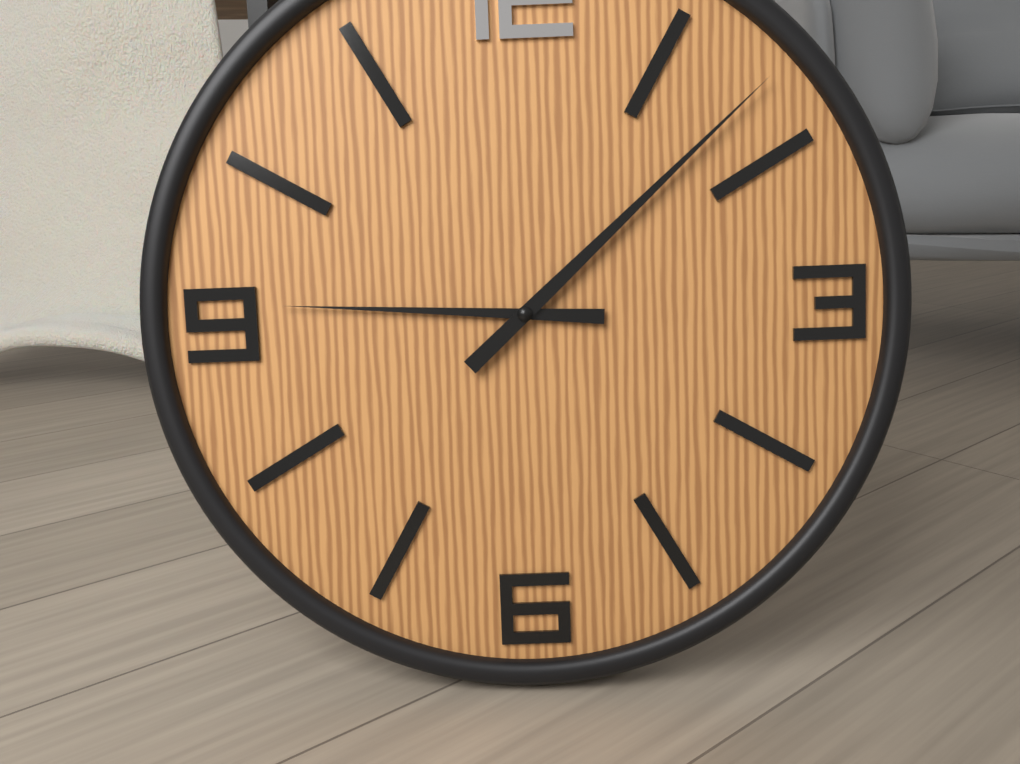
9:08
